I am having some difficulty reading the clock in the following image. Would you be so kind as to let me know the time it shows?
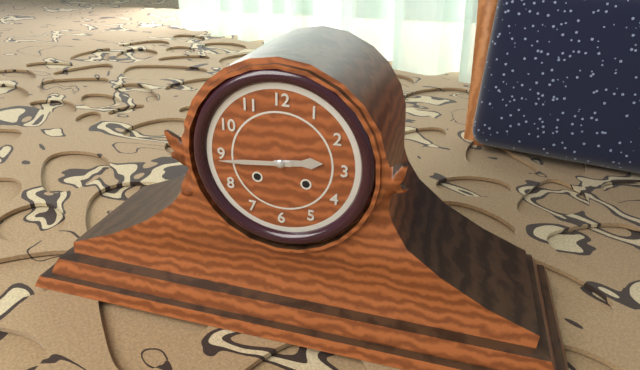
2:44
